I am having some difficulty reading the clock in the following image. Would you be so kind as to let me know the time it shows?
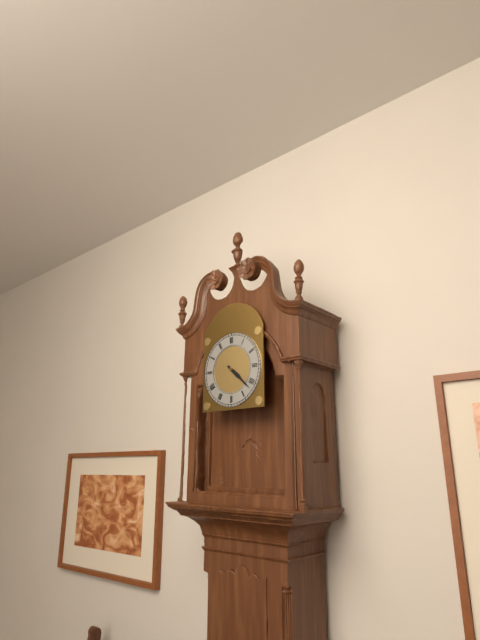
4:22
